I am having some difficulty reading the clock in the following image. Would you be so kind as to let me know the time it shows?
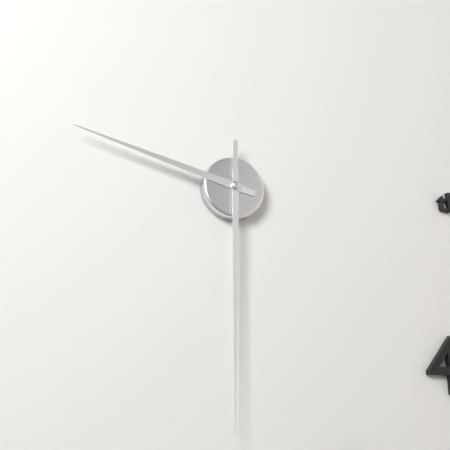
9:30
